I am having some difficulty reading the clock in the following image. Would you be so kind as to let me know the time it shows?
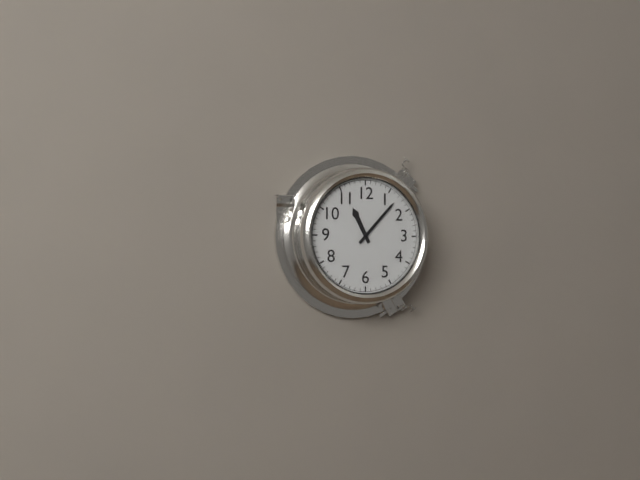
11:07
